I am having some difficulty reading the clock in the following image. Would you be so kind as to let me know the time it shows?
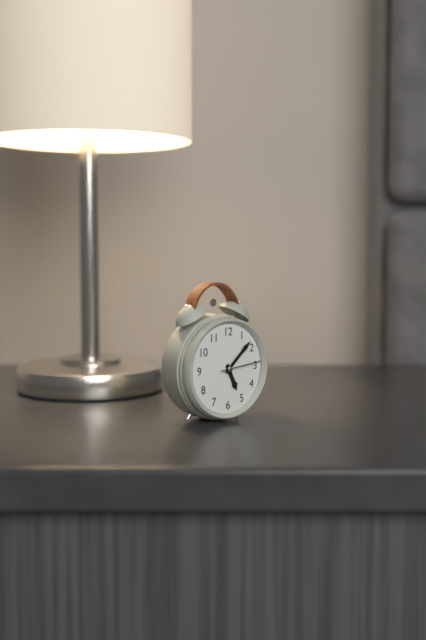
5:08
